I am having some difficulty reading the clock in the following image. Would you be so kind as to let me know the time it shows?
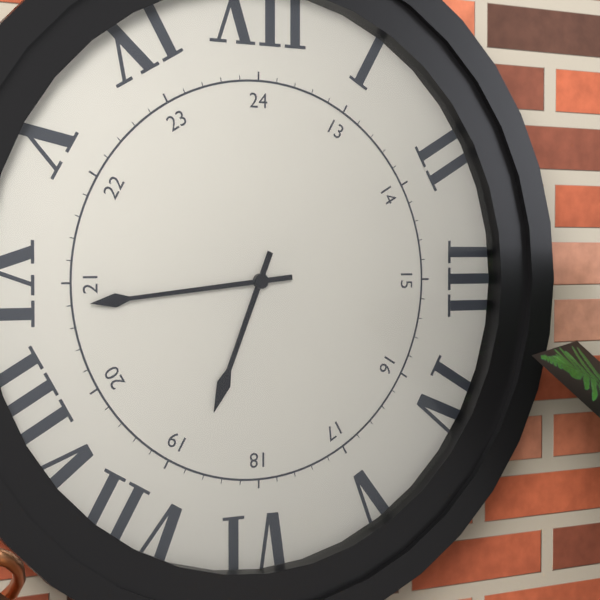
6:44
